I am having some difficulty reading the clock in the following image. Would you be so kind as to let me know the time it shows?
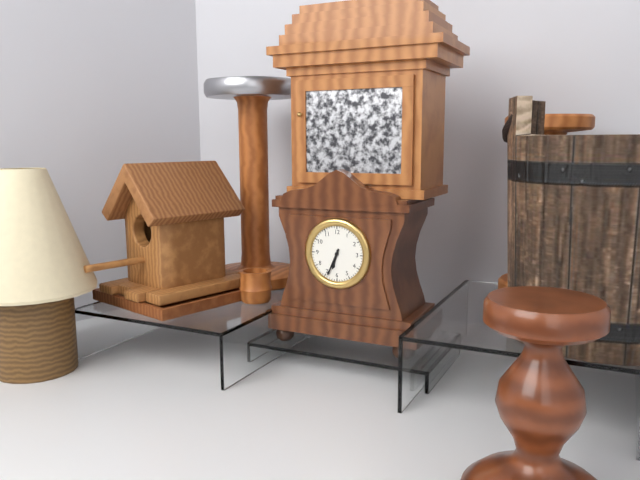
6:34
